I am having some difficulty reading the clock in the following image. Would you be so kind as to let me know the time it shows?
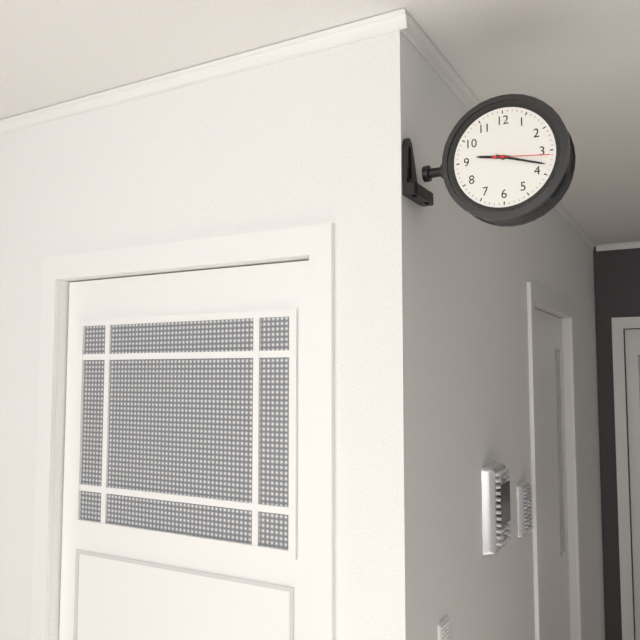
9:18:16
